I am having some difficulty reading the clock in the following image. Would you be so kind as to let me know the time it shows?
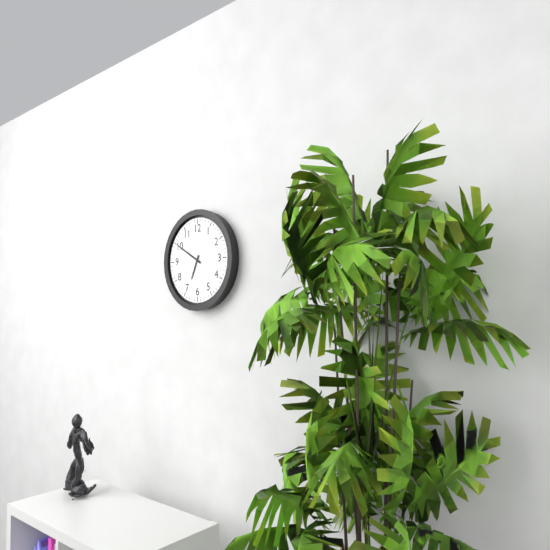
6:50
